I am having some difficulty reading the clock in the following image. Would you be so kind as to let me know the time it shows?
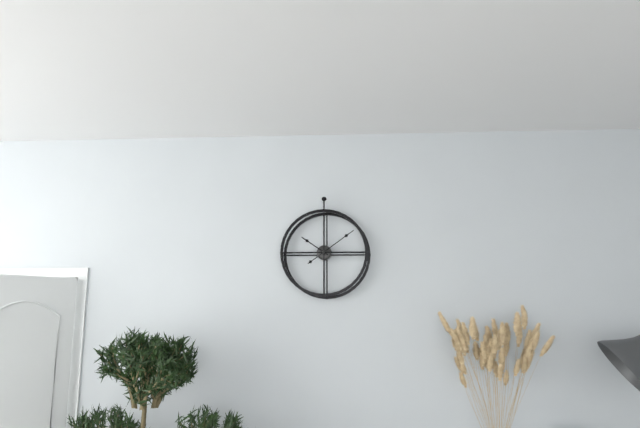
10:09
